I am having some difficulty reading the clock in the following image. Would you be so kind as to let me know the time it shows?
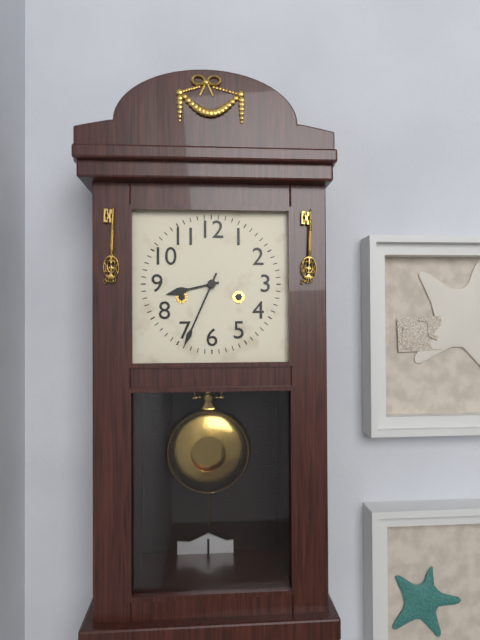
8:34
